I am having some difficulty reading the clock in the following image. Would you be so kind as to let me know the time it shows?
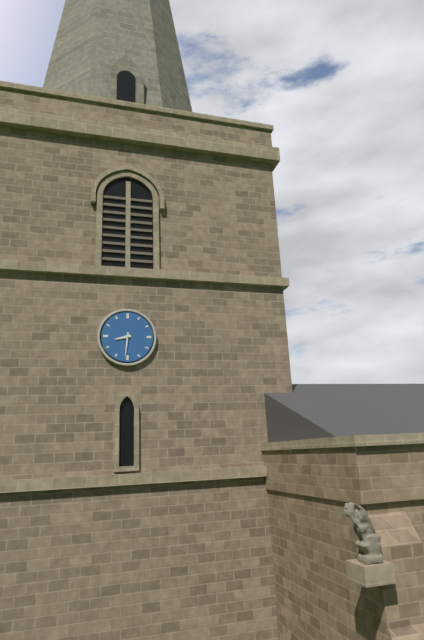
8:31
